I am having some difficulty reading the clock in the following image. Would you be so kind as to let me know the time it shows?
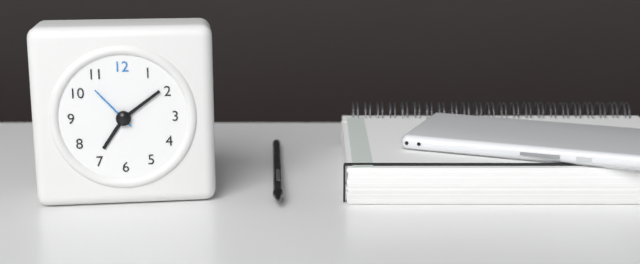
7:09:53
